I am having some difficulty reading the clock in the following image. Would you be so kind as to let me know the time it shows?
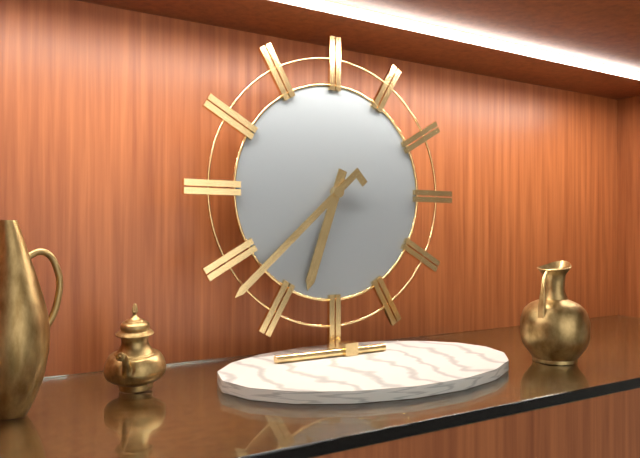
6:38
